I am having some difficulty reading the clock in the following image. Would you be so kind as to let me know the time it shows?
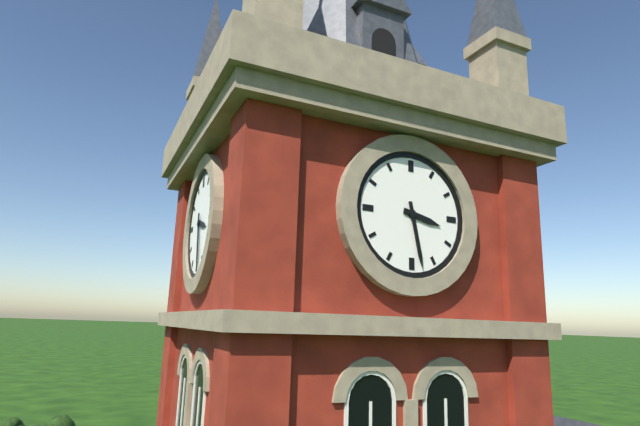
3:28
